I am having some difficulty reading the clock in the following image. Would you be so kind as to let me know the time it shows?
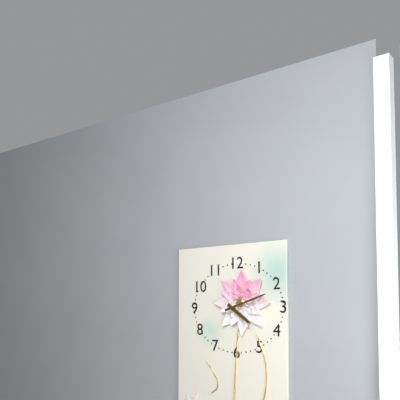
4:12
